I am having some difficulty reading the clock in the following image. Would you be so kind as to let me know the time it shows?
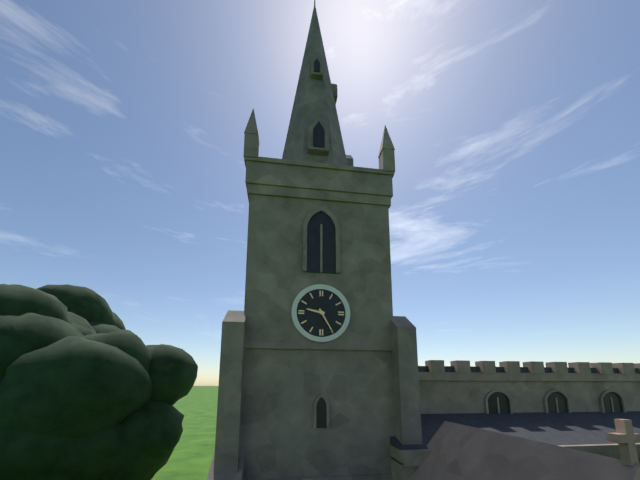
9:25
